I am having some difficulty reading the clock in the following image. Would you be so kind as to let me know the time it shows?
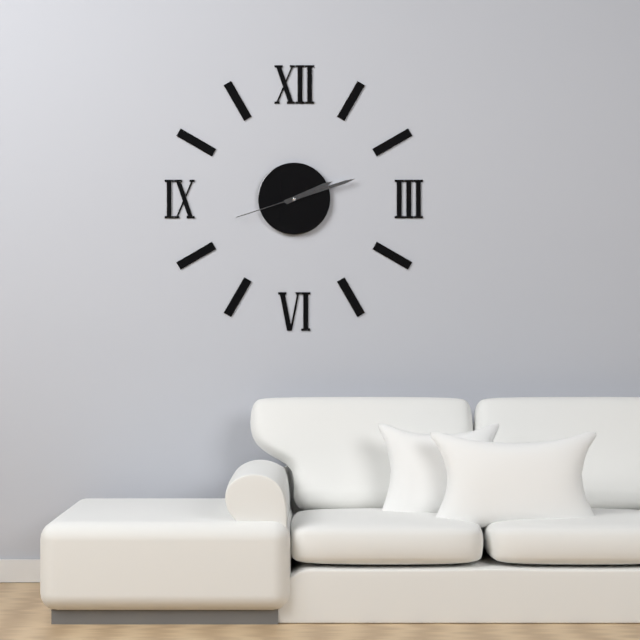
2:12:42
